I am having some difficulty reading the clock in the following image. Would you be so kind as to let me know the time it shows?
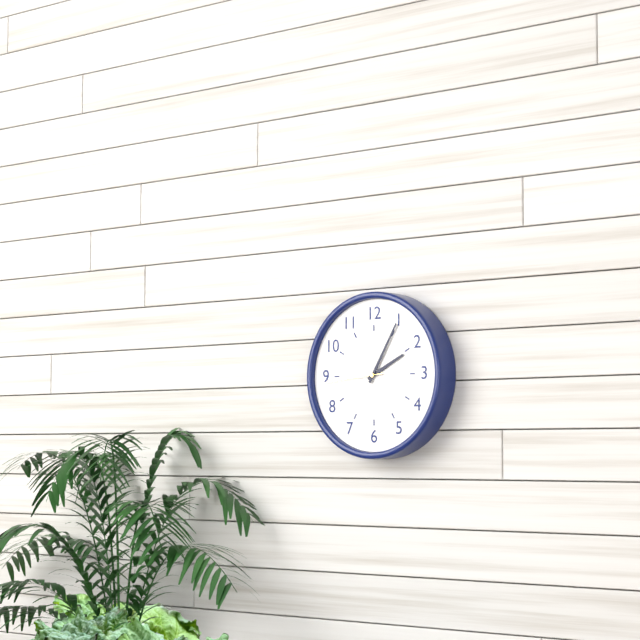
2:05:44
